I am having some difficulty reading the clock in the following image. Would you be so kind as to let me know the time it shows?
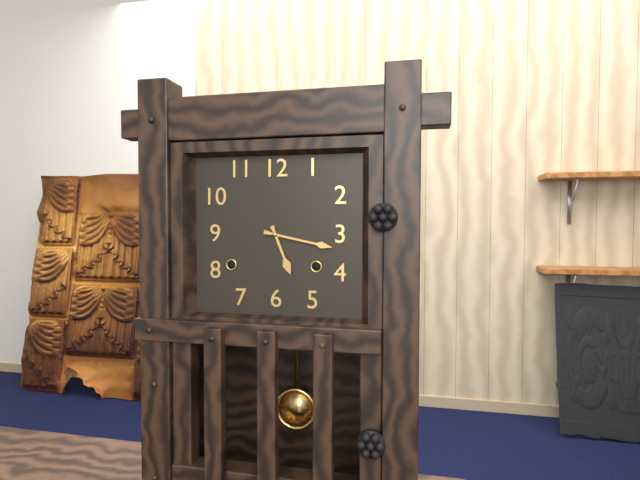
5:17
